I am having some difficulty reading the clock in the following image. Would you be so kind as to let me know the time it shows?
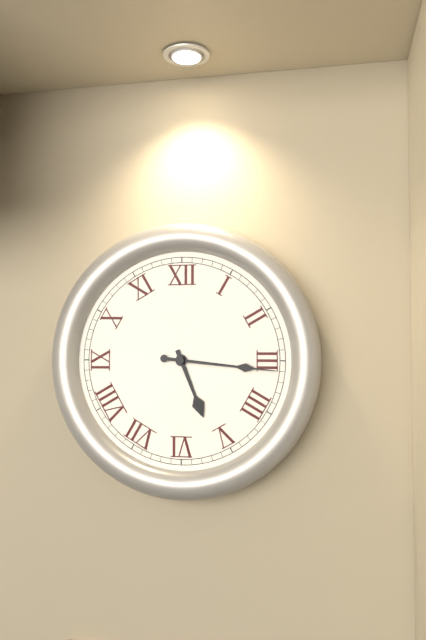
5:16
